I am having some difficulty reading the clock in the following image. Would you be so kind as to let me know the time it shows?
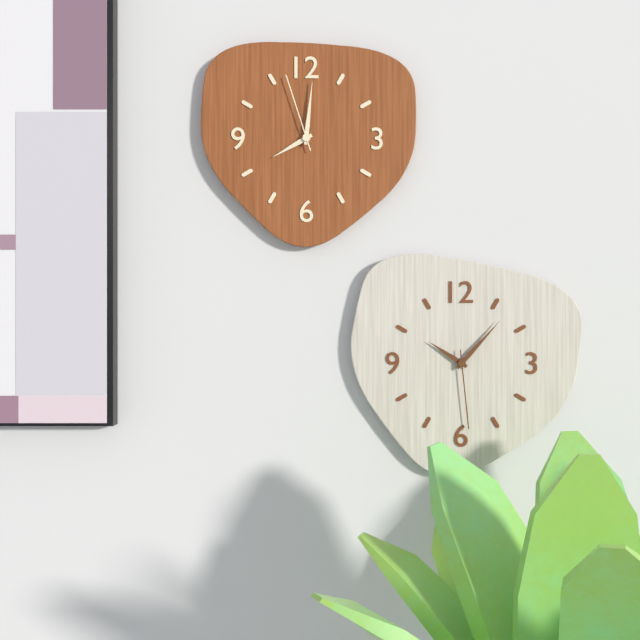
8:01:57
